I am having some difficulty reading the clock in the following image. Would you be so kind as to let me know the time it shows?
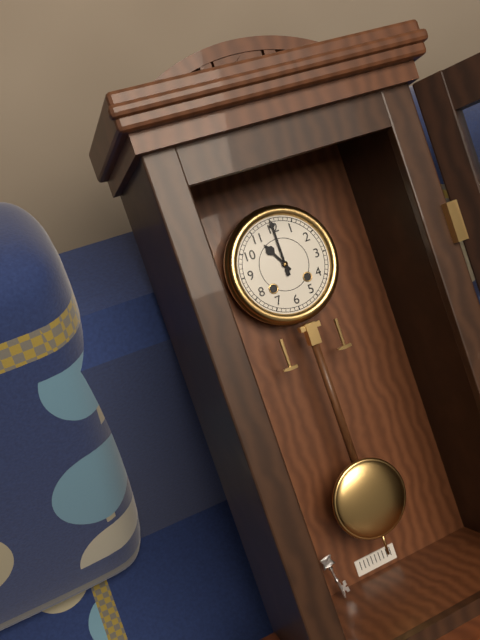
11:00
